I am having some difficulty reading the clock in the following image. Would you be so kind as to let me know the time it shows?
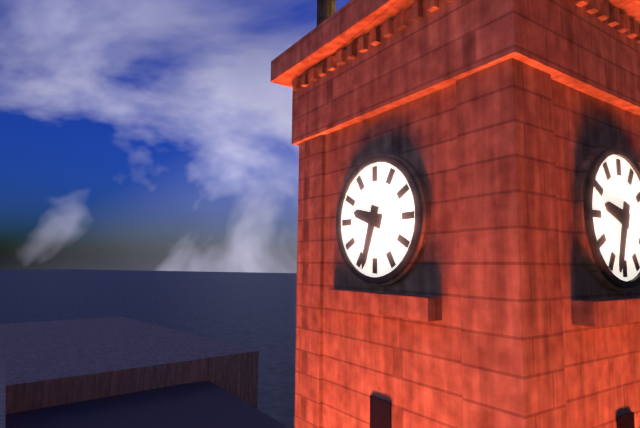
9:33
